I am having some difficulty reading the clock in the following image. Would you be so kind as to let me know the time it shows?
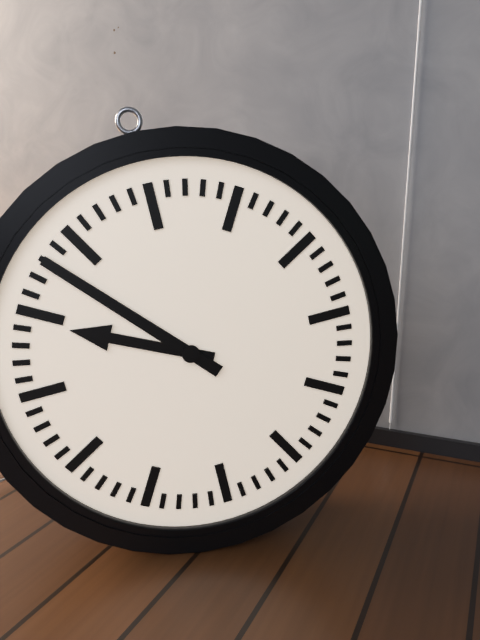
9:53
